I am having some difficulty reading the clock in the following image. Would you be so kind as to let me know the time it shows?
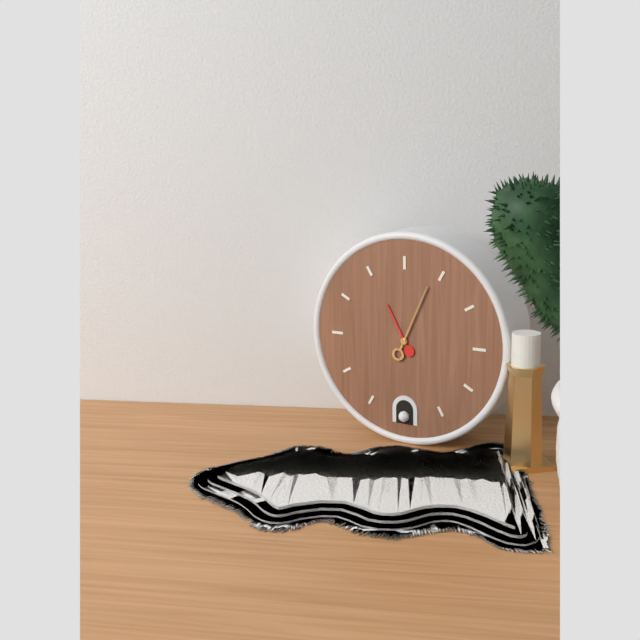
11:04
